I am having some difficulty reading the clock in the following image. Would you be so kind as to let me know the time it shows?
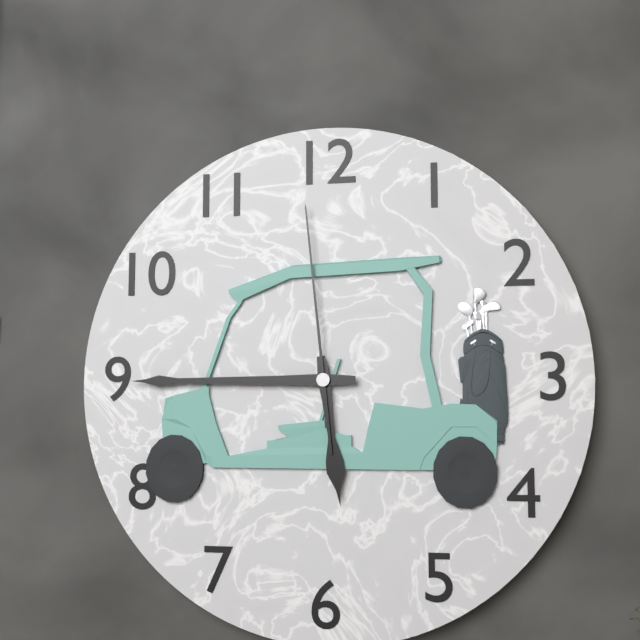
5:45:59
